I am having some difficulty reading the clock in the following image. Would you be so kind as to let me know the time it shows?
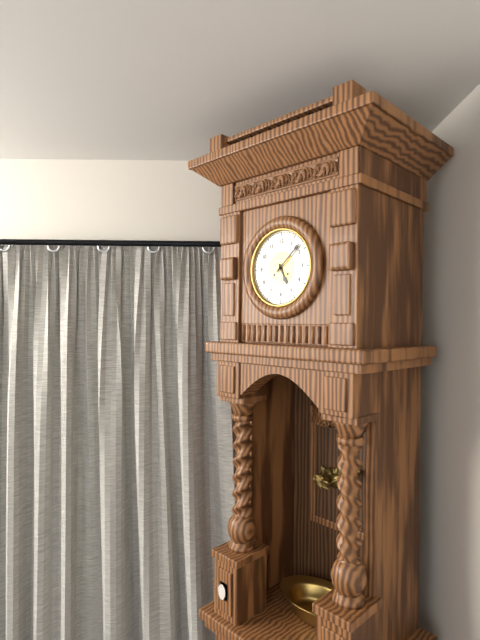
5:08
